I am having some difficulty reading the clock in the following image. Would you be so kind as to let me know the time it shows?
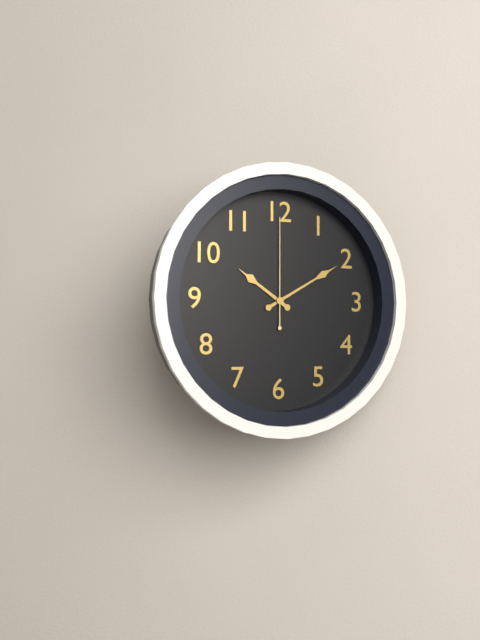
10:10:00
